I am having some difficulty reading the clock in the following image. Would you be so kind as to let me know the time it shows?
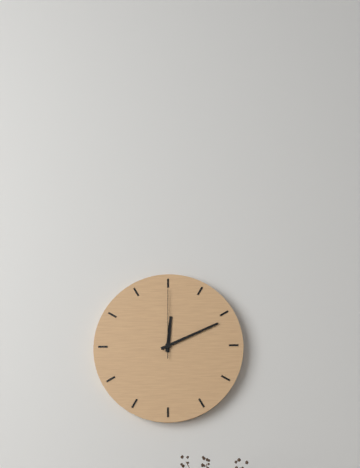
12:11:00
